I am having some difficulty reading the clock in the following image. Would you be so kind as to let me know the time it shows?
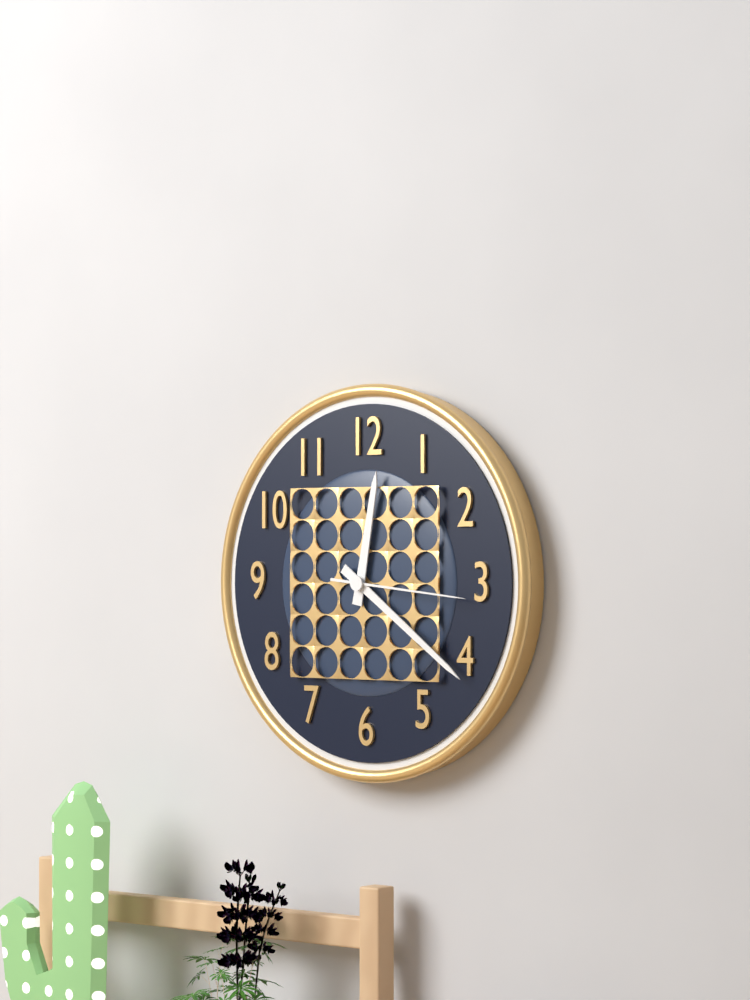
12:21:16
